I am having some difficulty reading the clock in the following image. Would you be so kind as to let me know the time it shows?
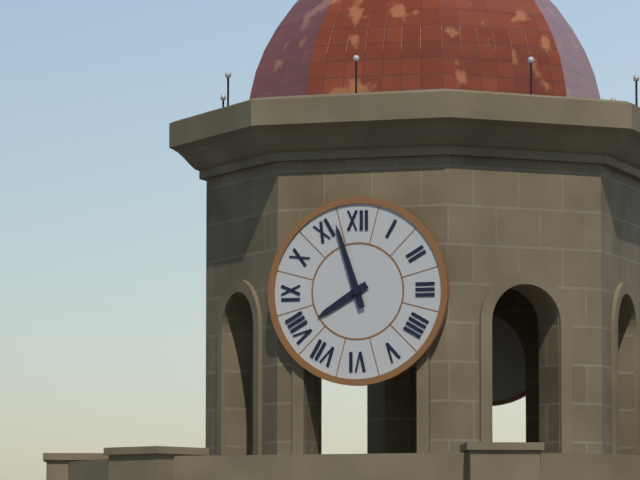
7:57
